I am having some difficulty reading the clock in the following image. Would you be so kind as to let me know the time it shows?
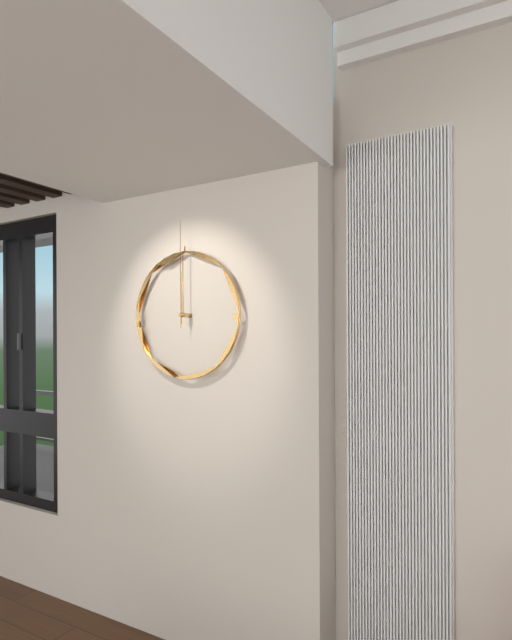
12:00
